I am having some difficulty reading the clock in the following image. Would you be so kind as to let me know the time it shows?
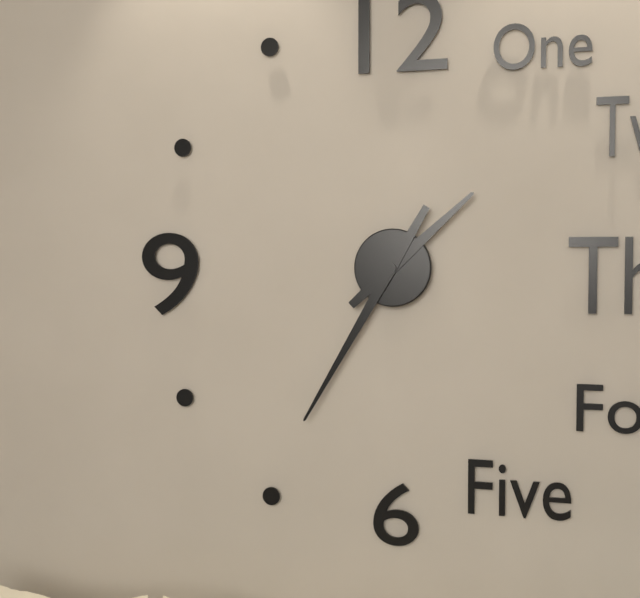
1:35
